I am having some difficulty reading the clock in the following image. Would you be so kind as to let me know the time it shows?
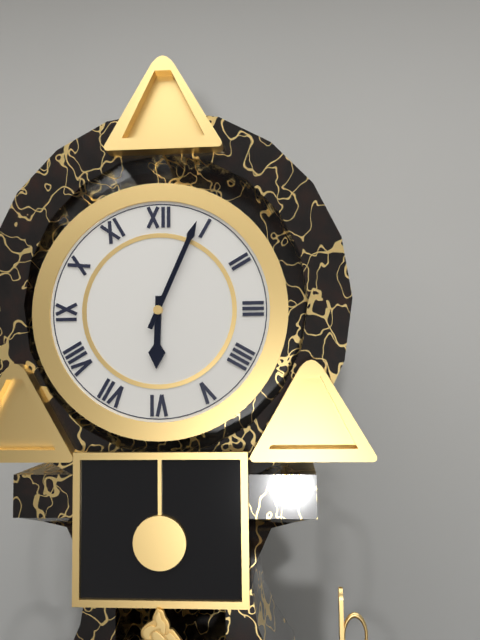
6:04
